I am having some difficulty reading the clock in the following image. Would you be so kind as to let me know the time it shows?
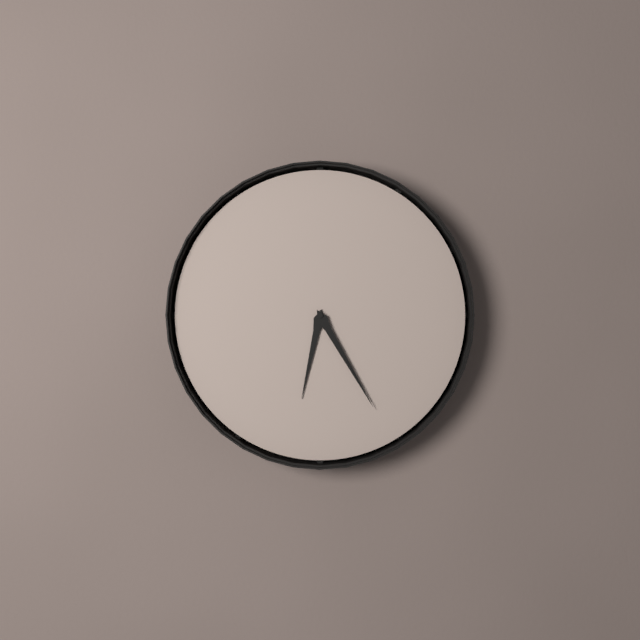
6:25
